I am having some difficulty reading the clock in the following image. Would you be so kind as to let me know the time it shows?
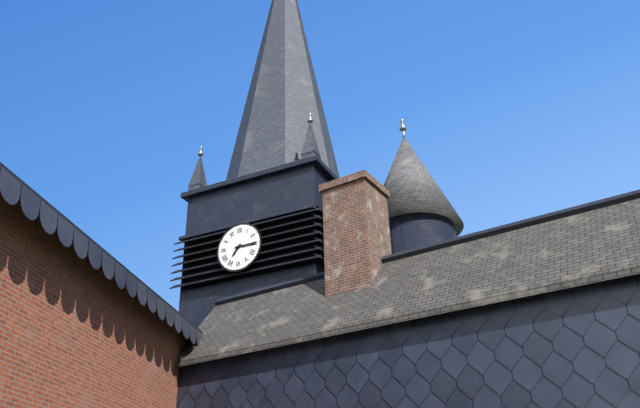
7:15
